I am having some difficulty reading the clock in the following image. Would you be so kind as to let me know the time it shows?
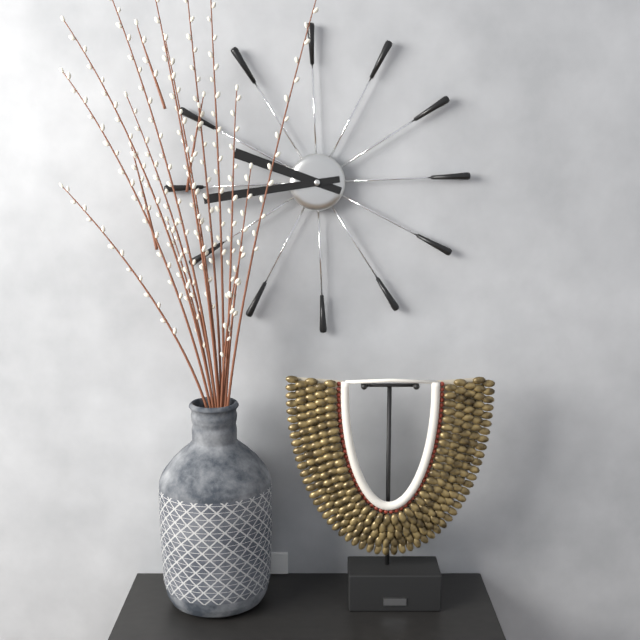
9:44
